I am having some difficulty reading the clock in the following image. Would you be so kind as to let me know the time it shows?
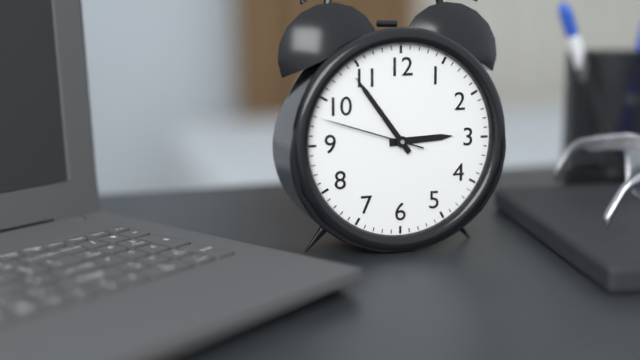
2:54:48
